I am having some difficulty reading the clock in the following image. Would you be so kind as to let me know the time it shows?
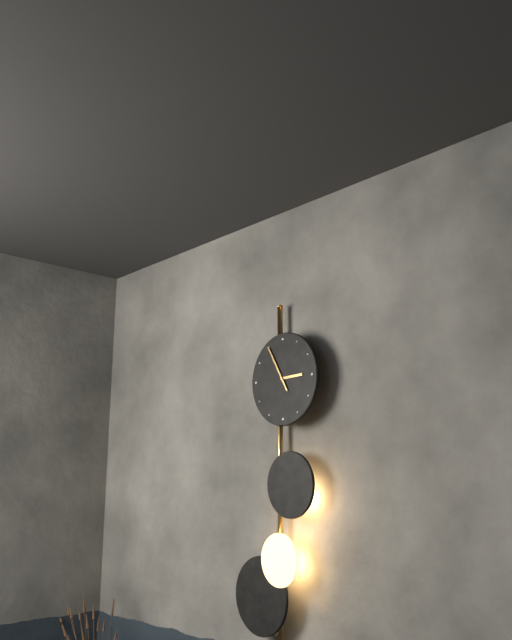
2:55
